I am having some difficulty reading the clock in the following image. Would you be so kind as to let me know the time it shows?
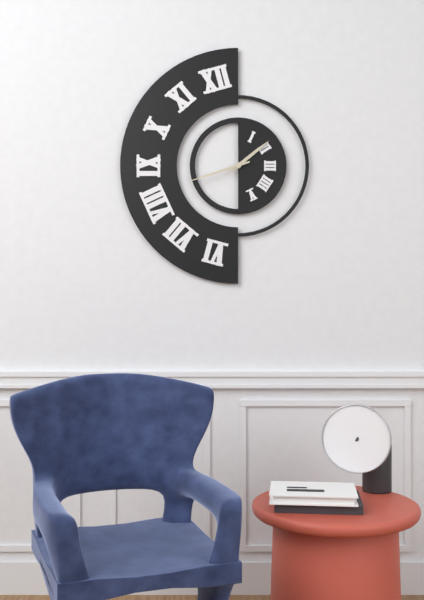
1:42
